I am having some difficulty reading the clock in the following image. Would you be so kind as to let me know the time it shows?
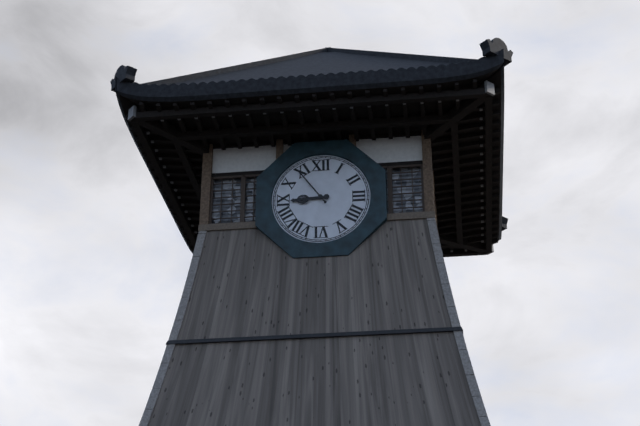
8:54
